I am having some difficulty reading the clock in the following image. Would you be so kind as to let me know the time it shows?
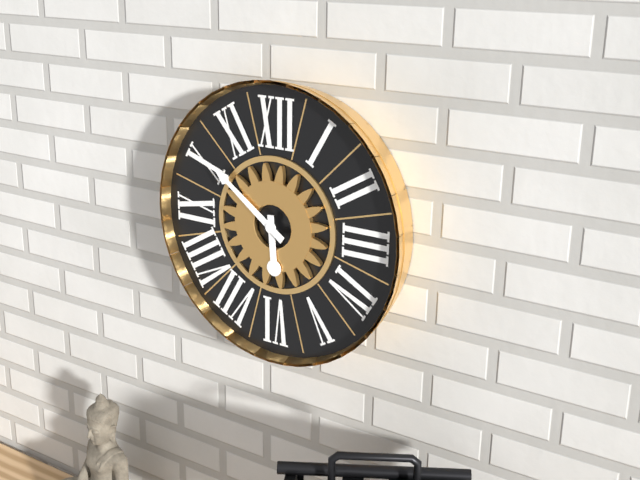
5:51
